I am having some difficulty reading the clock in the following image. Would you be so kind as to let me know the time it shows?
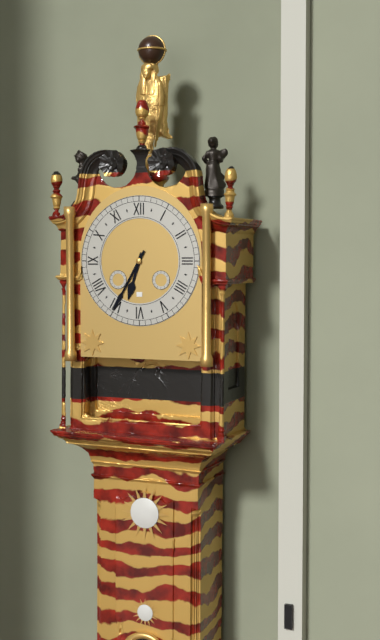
6:35
